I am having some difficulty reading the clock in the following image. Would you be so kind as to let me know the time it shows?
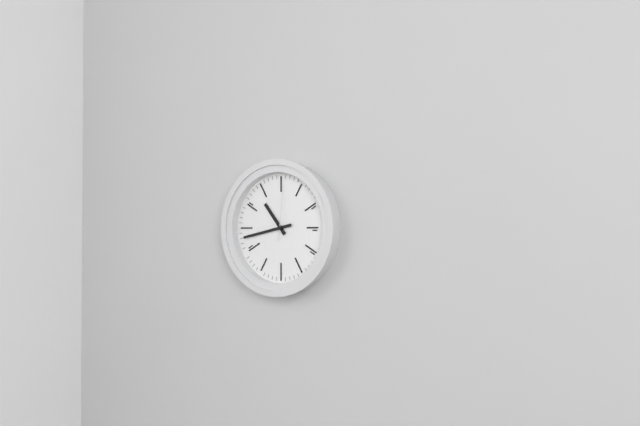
10:43:01
